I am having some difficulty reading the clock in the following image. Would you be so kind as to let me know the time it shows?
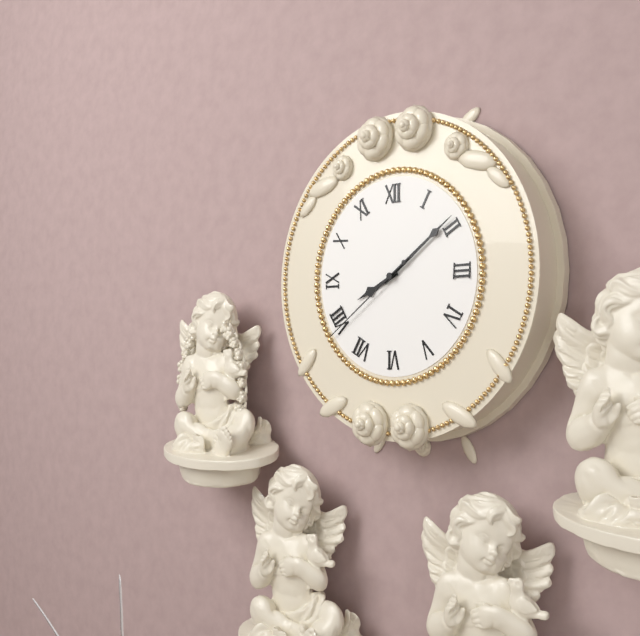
8:09:39
